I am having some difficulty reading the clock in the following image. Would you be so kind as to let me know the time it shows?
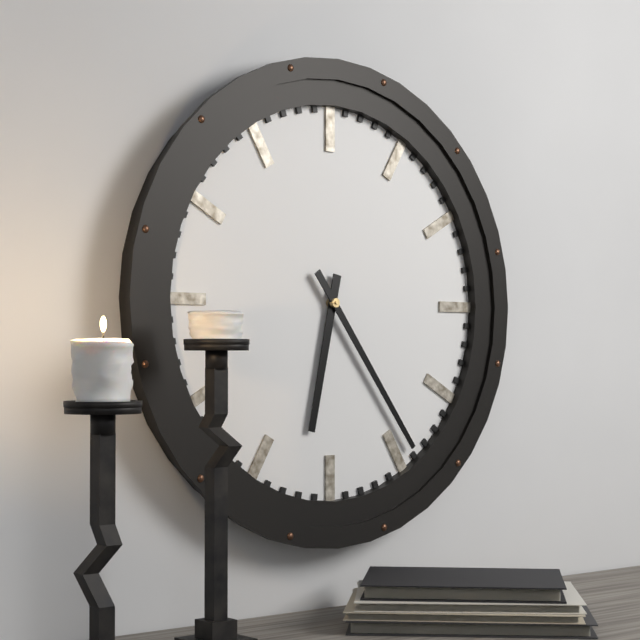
6:24
